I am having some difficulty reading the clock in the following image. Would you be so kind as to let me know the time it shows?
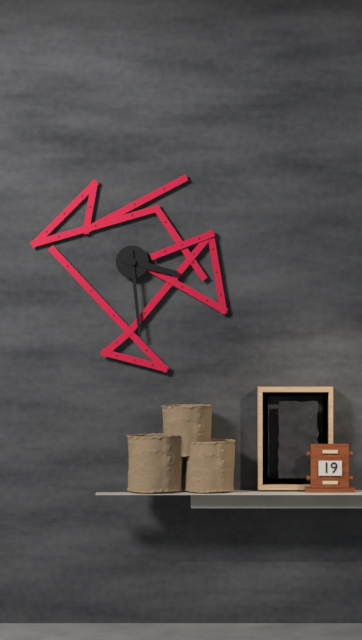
3:29
